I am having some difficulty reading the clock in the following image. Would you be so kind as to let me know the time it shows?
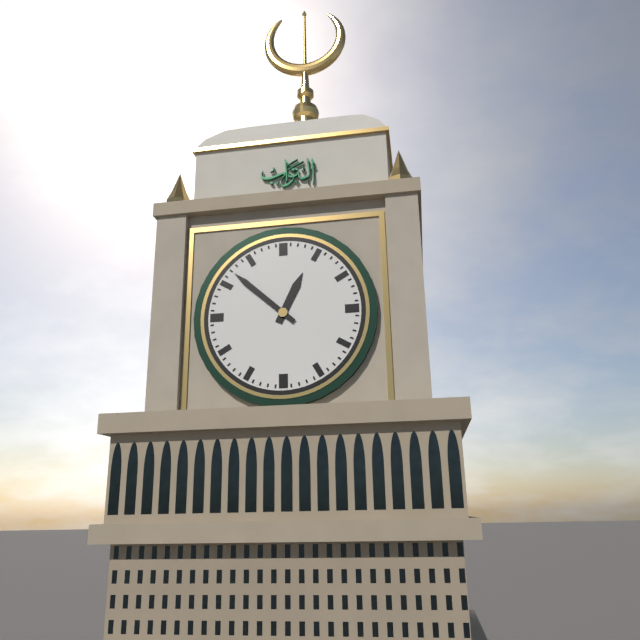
12:52
